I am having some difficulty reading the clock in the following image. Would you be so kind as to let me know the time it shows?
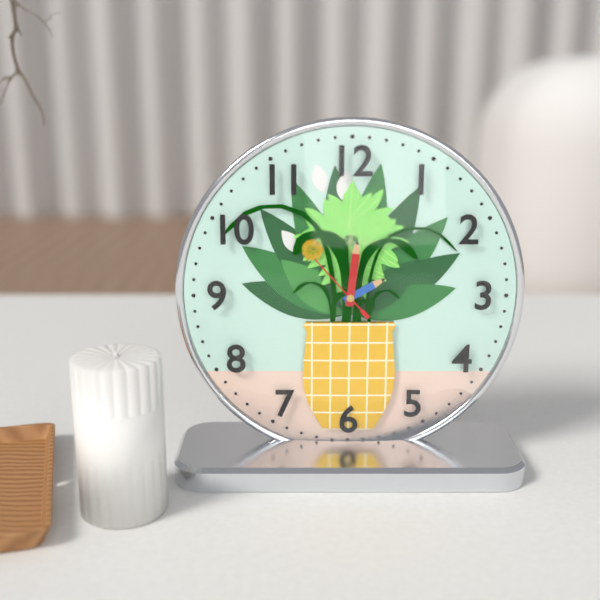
2:01:53
